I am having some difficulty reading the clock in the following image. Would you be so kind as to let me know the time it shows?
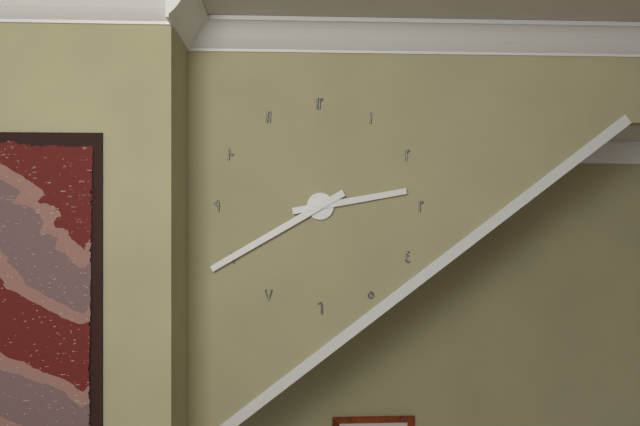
2:40
